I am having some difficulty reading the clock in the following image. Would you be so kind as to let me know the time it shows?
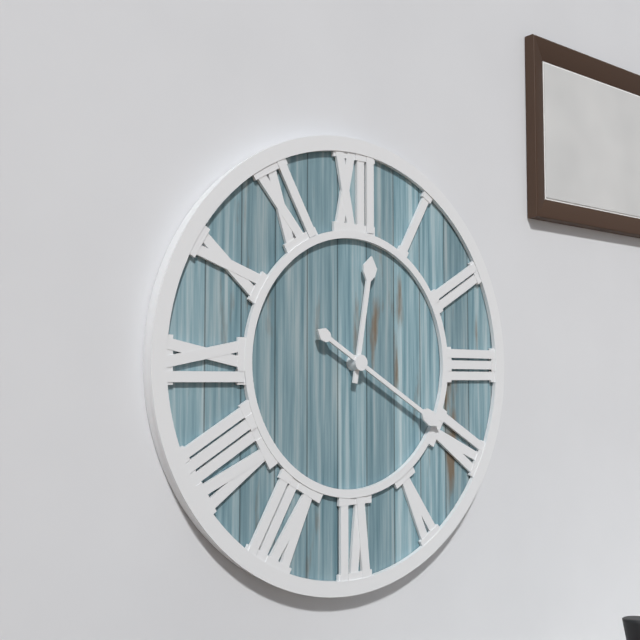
12:20
